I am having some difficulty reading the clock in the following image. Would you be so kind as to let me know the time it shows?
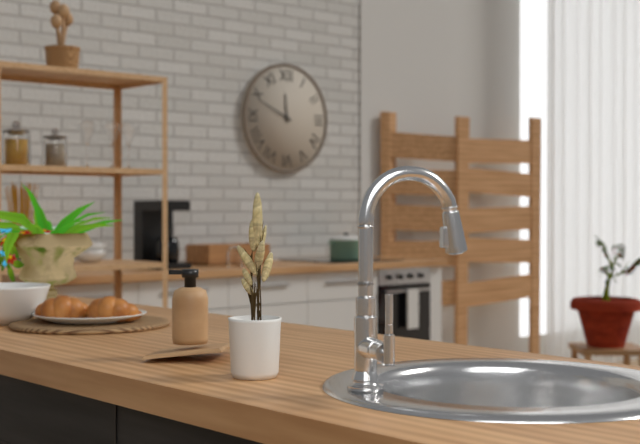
11:49
